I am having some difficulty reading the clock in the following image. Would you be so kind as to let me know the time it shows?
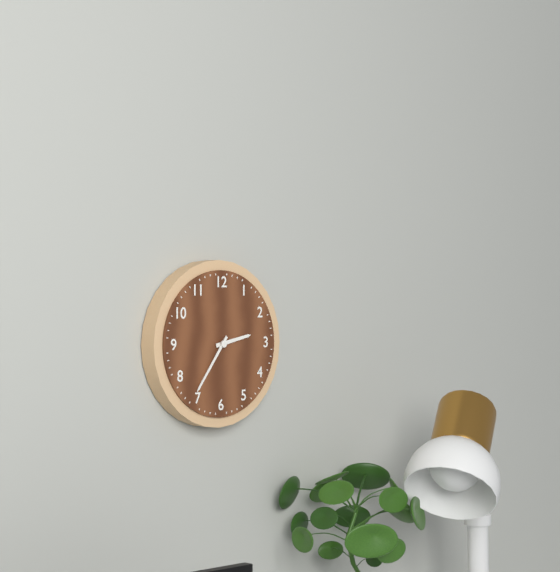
2:36
